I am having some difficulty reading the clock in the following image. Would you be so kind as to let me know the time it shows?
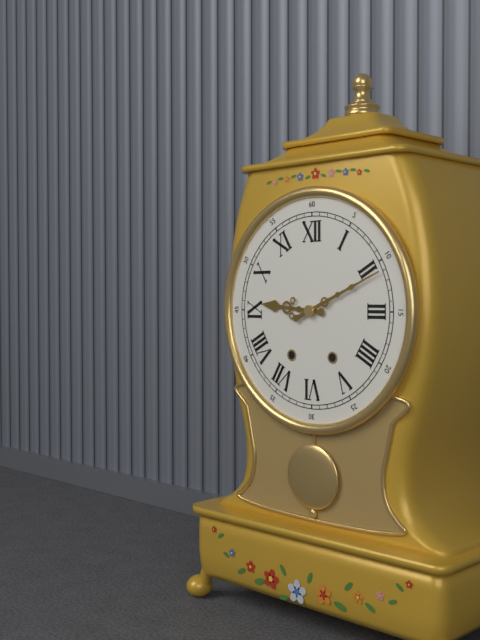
9:11
